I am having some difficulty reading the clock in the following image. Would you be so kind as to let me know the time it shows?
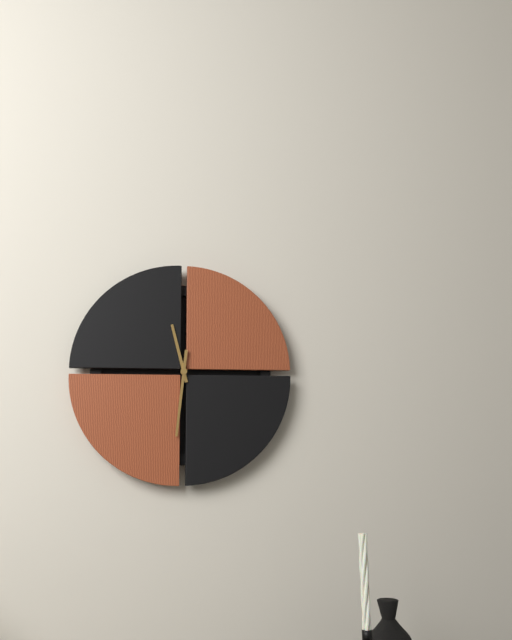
11:31
